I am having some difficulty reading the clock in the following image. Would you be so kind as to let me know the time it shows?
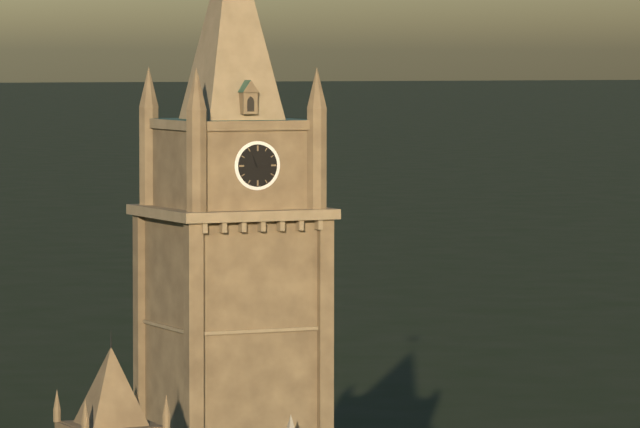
11:14
